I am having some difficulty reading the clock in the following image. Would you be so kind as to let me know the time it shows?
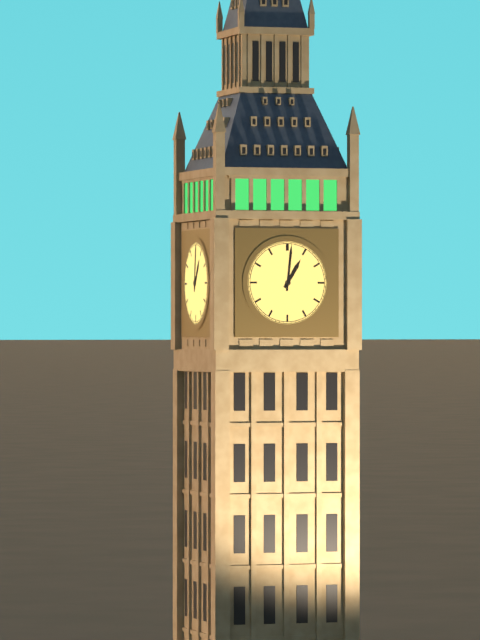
1:01
